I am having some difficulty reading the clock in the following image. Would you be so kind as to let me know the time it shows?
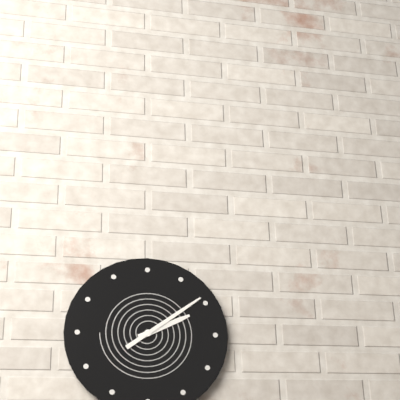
2:09
